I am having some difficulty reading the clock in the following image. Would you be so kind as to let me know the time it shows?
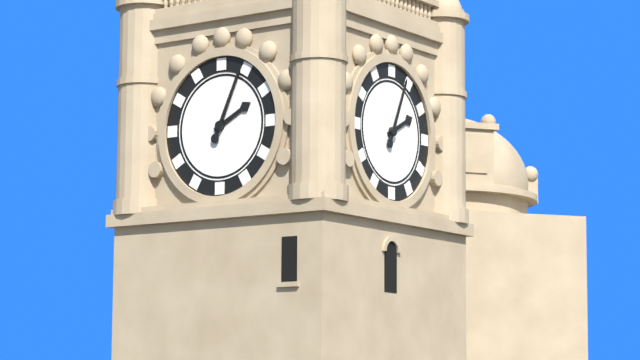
2:04
